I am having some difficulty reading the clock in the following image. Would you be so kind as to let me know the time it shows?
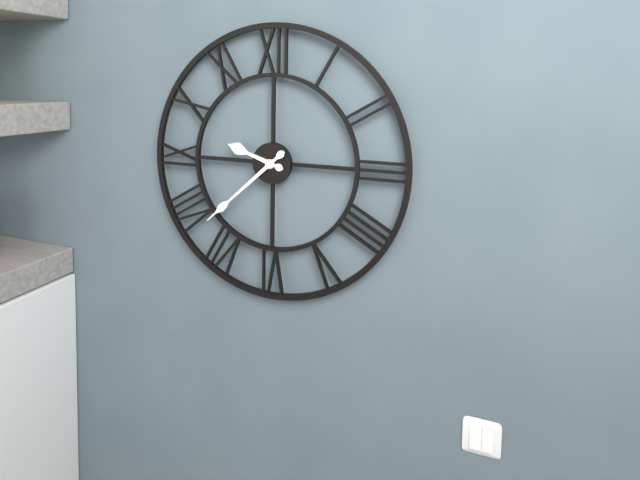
9:38
